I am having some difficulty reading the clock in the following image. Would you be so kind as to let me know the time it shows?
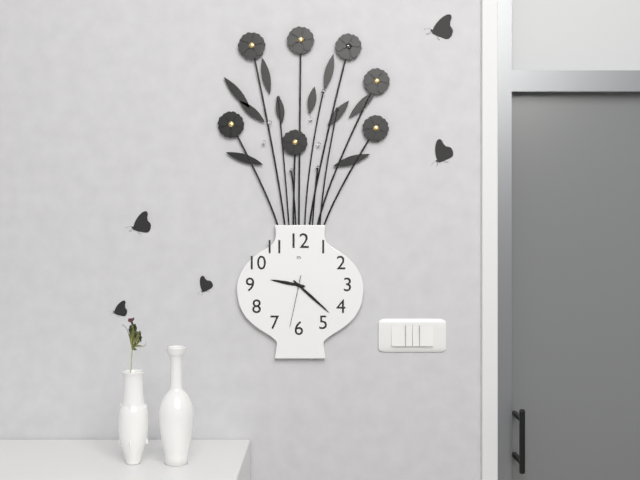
9:22:32
